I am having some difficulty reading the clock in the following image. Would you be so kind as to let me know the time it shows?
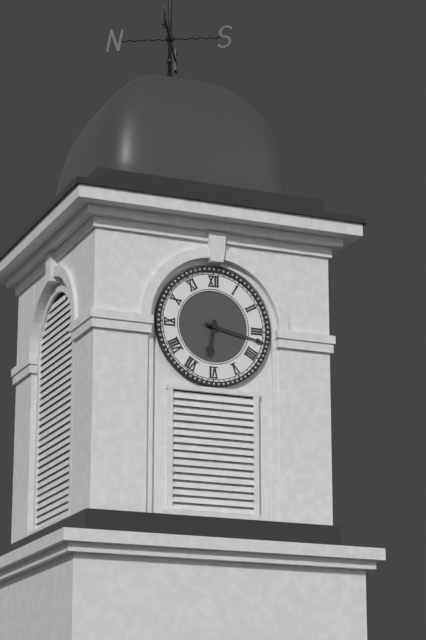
6:17
